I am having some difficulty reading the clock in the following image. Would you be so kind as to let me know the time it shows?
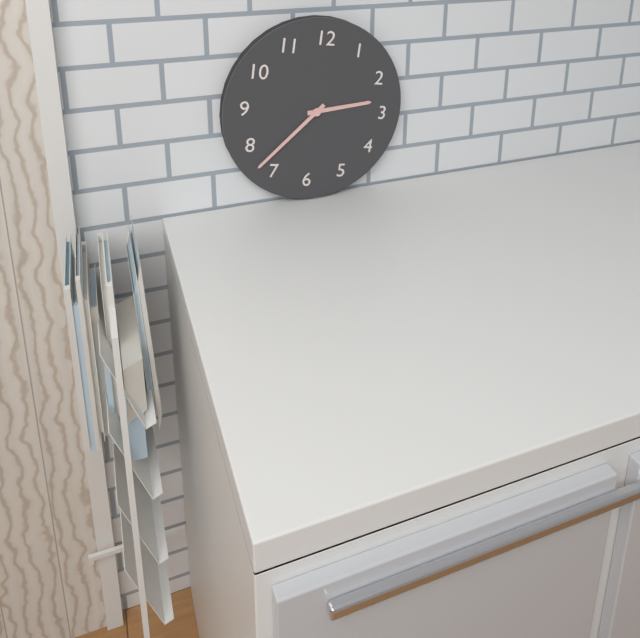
2:37
